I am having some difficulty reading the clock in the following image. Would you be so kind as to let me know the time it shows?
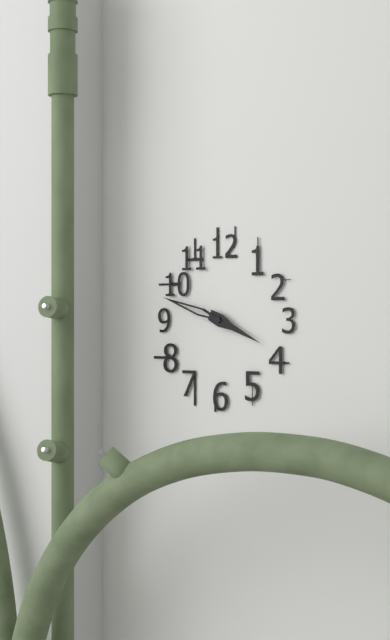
3:48
